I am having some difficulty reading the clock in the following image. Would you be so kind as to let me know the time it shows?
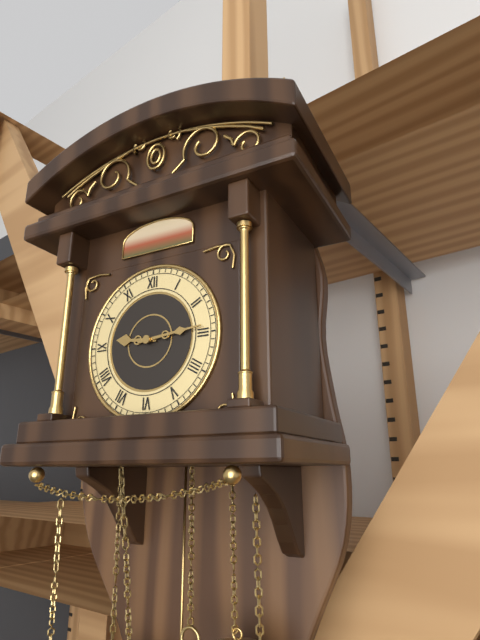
9:14
